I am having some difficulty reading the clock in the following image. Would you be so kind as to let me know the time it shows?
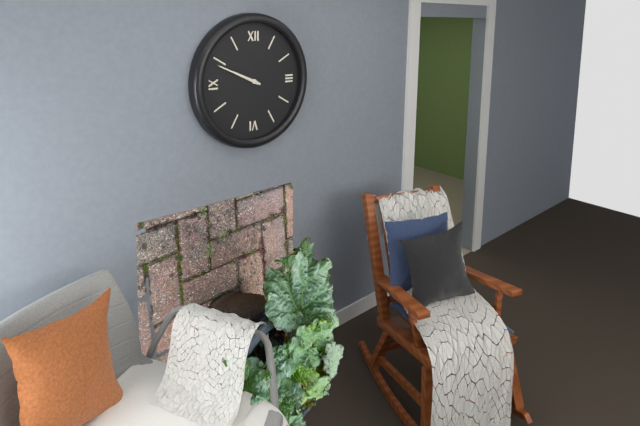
9:49
